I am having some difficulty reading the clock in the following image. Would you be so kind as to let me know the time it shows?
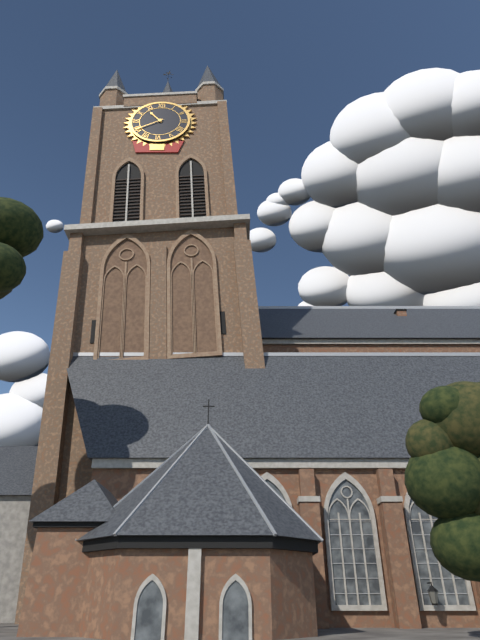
10:40
